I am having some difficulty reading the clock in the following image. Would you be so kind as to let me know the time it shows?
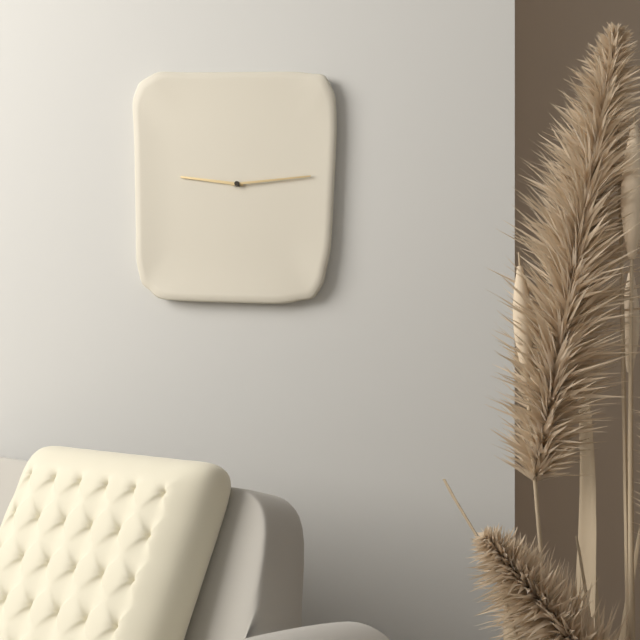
9:14
